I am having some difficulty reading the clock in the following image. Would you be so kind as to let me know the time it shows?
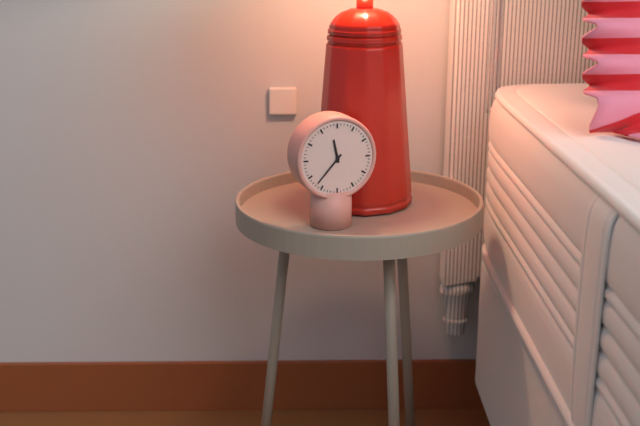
11:37
